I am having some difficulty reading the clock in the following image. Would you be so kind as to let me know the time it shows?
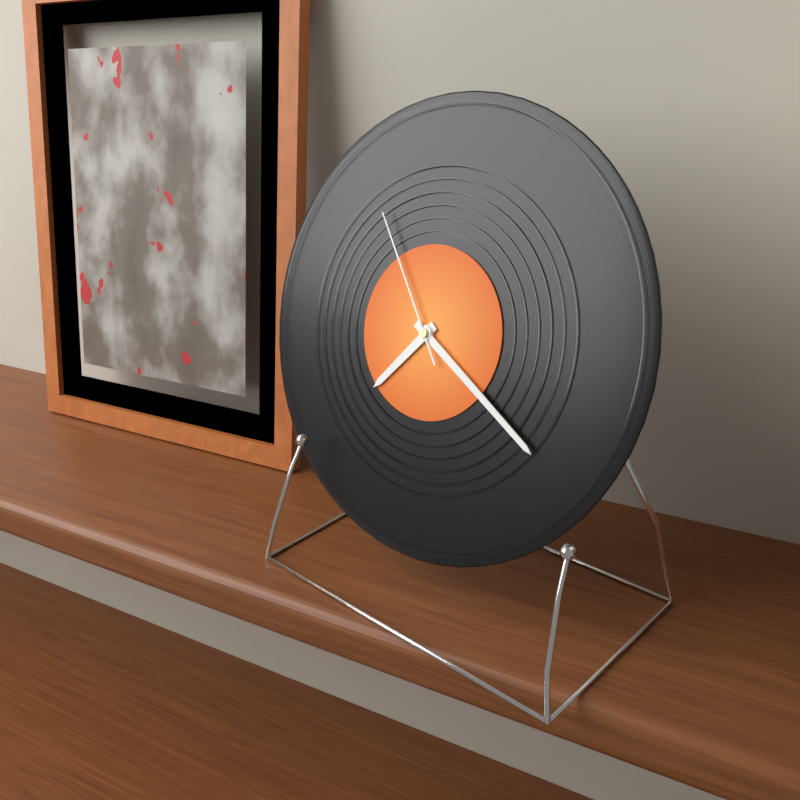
7:20:54
